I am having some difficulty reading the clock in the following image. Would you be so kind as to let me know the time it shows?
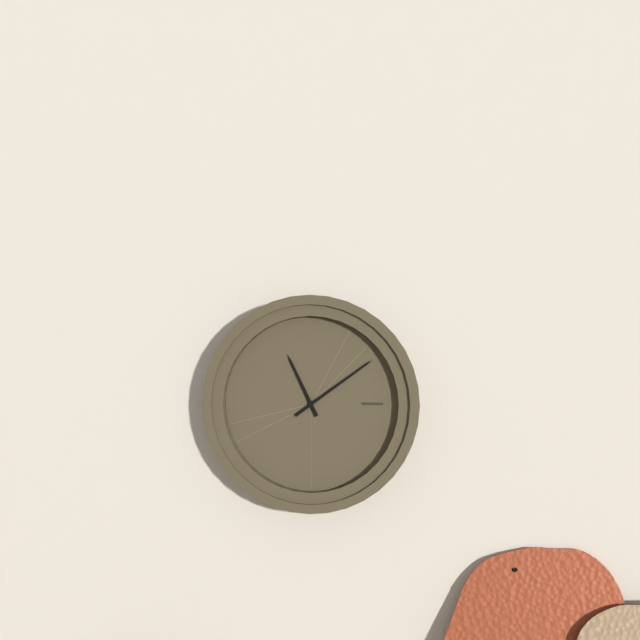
11:09
